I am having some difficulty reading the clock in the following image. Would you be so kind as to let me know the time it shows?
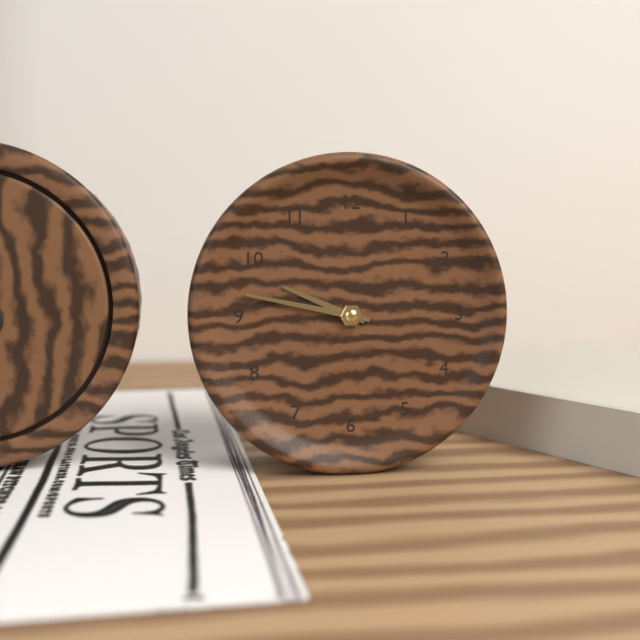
9:47
